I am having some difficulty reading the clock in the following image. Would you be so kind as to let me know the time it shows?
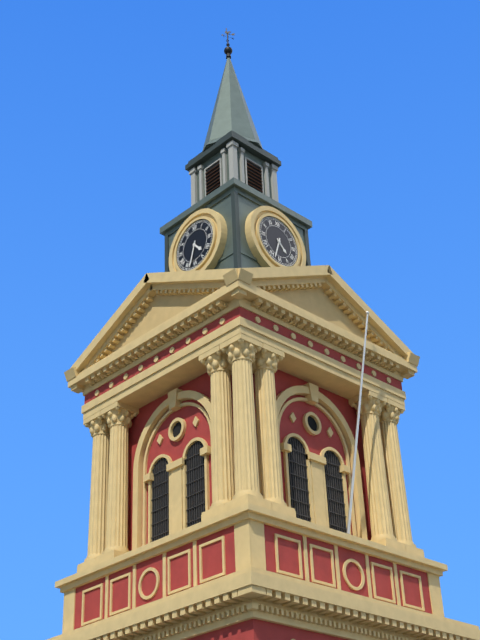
4:33
